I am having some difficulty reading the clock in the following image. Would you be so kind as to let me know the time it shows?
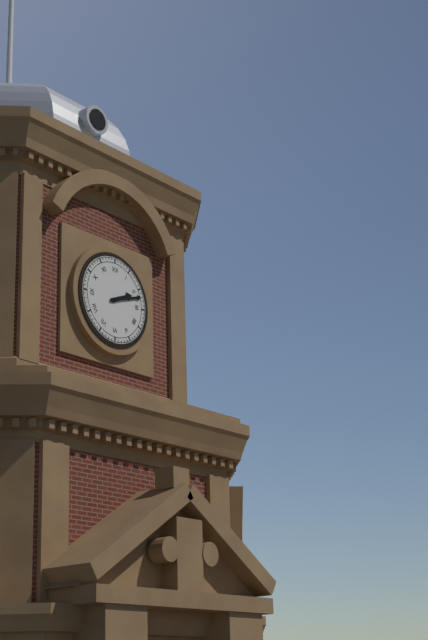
2:12
